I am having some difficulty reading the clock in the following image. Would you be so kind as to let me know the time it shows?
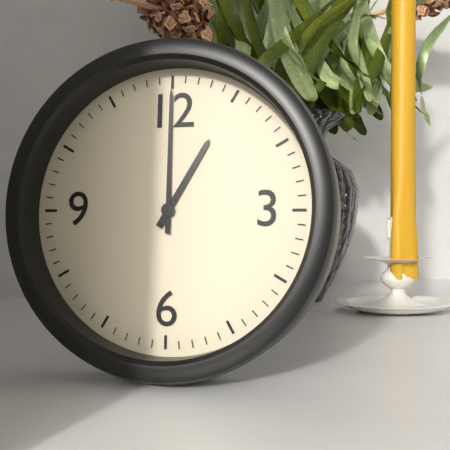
1:00
